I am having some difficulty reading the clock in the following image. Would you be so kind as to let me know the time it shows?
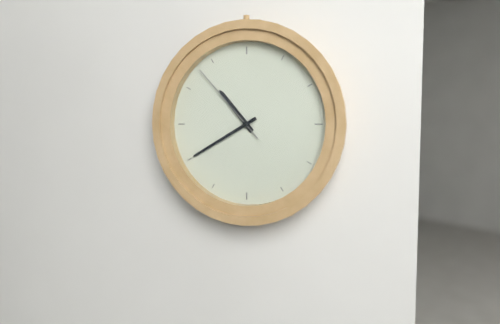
10:40:53
